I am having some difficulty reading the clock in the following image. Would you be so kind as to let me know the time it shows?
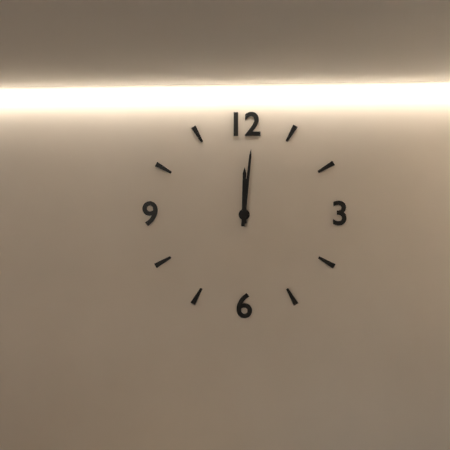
12:01
